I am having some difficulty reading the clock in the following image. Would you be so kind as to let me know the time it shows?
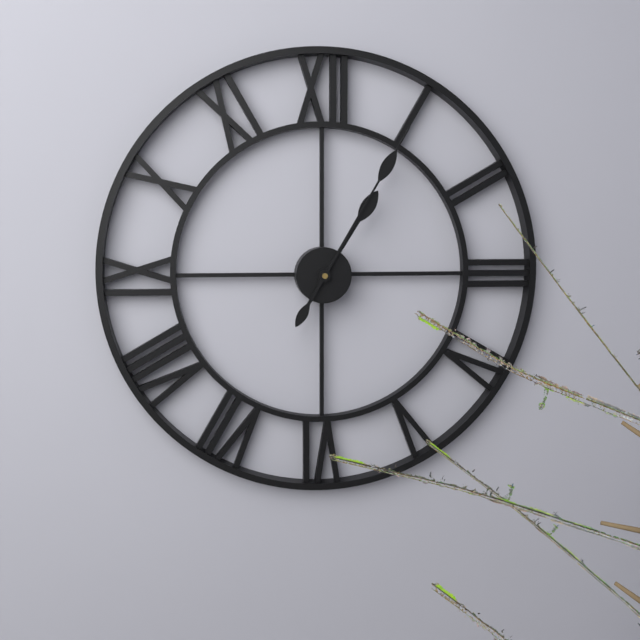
1:05
